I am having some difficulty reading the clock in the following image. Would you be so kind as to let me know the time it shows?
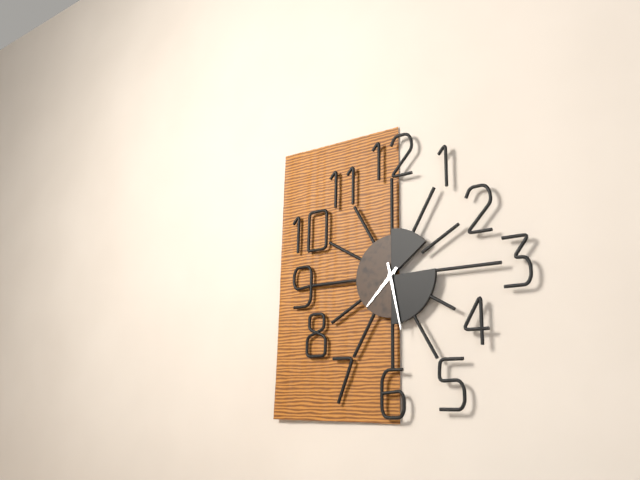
7:28
